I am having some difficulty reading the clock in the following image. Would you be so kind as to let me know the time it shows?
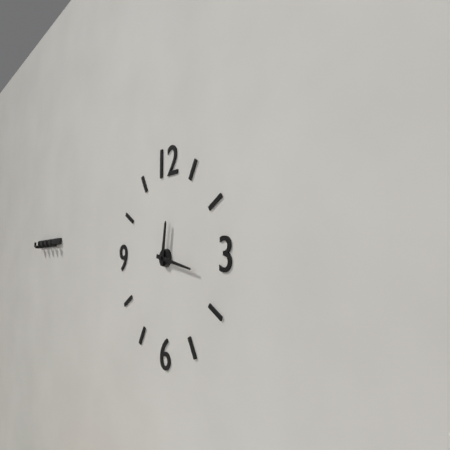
12:17
